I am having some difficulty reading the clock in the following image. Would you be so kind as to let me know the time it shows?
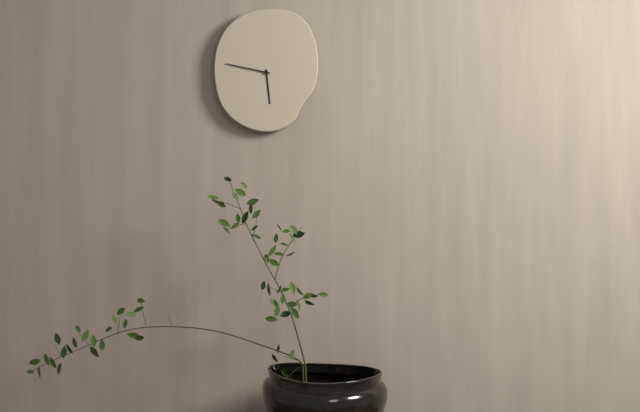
5:47
